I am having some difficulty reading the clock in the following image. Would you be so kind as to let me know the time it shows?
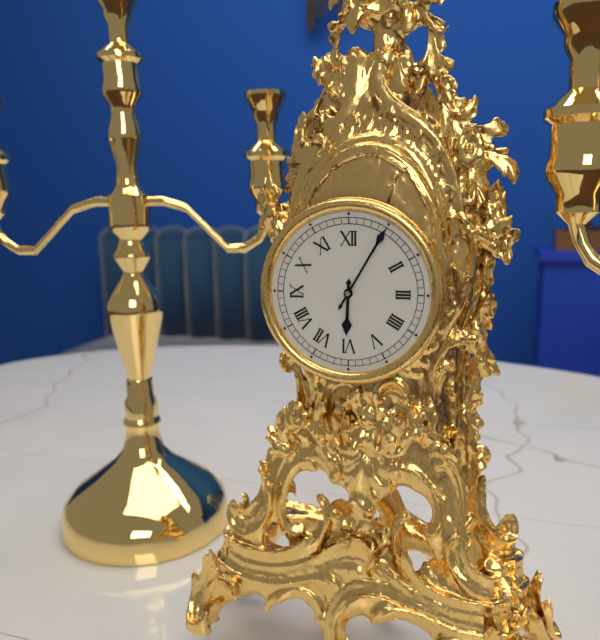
6:05
